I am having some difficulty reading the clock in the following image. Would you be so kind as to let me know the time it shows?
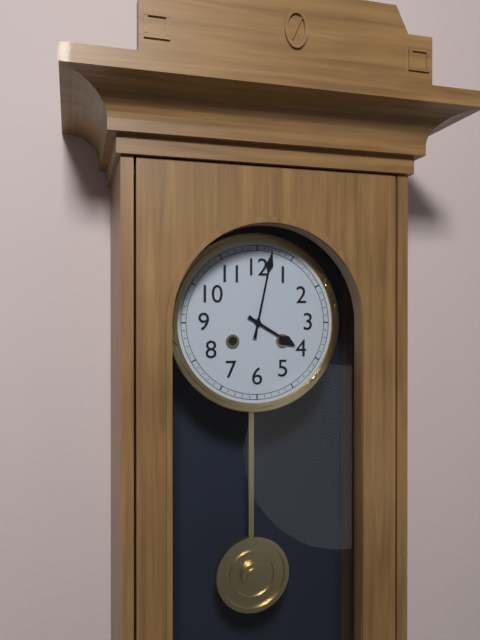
4:02
